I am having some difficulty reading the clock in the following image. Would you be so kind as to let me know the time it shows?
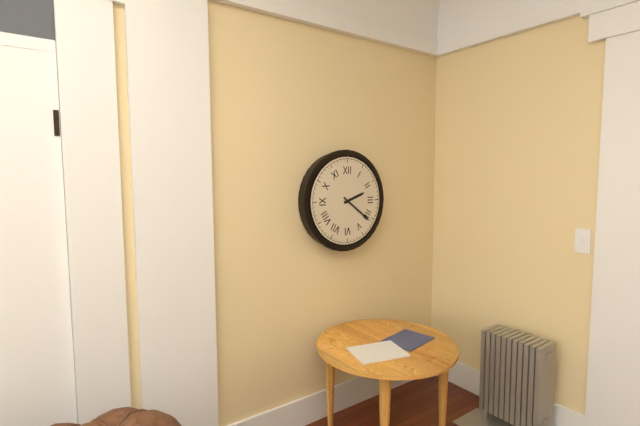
2:21
